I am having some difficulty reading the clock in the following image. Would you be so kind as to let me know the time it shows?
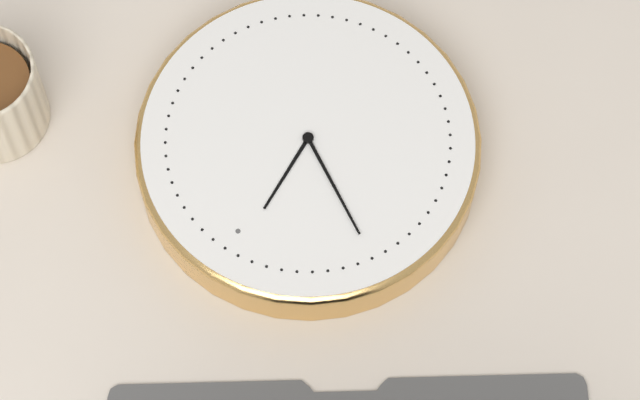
11:50
